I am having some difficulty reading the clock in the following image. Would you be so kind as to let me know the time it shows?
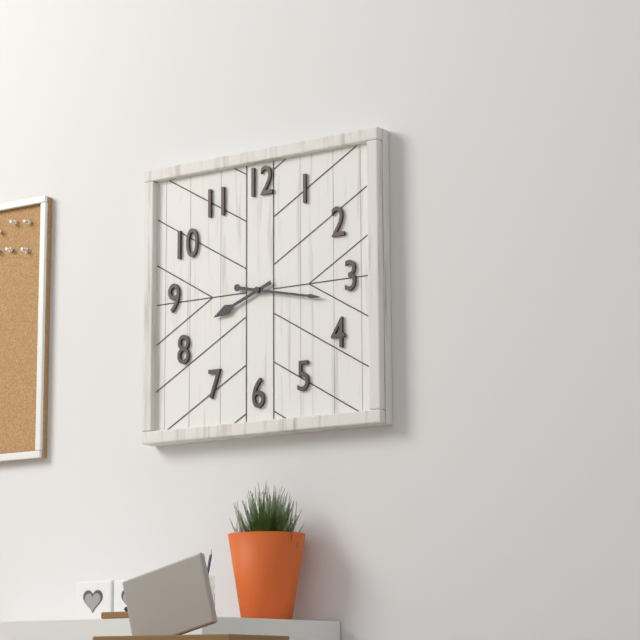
8:17
